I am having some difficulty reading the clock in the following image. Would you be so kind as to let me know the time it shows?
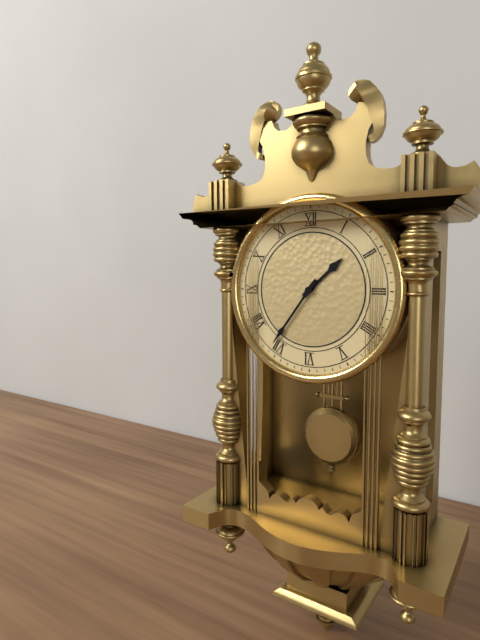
1:36
